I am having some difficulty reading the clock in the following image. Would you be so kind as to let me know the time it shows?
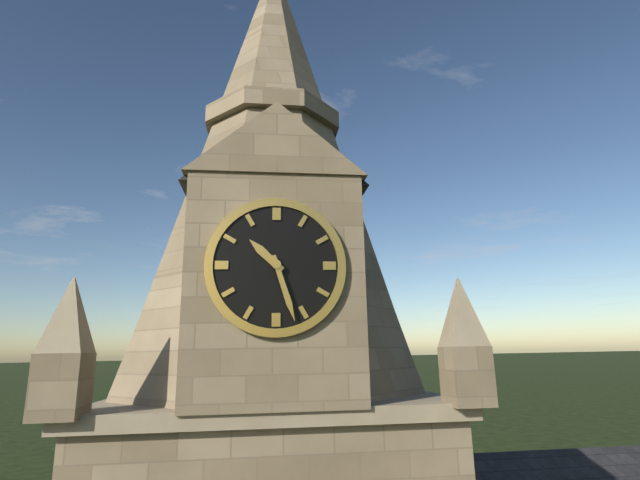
10:27
